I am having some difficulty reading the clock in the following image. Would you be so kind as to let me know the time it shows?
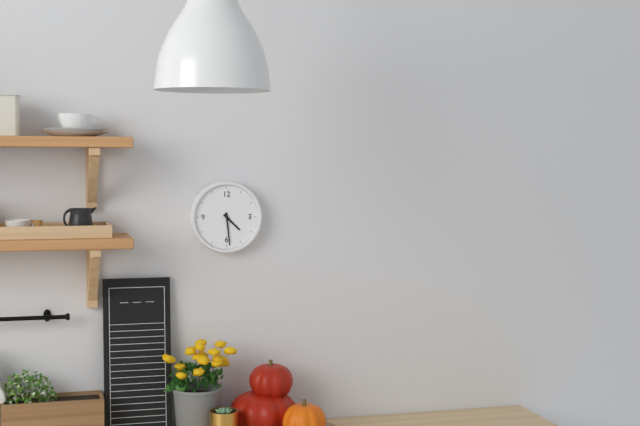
4:29
